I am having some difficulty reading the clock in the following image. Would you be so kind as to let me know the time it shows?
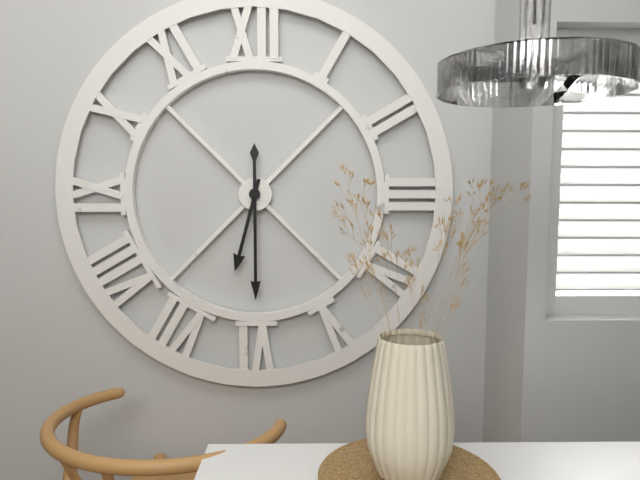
6:30
